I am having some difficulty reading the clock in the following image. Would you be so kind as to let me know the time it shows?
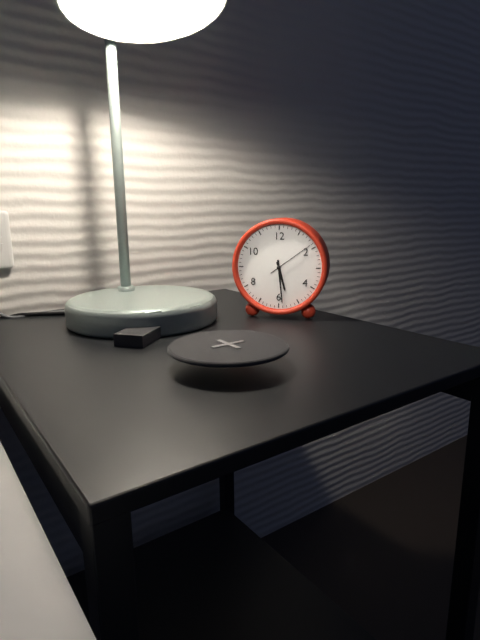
5:29
